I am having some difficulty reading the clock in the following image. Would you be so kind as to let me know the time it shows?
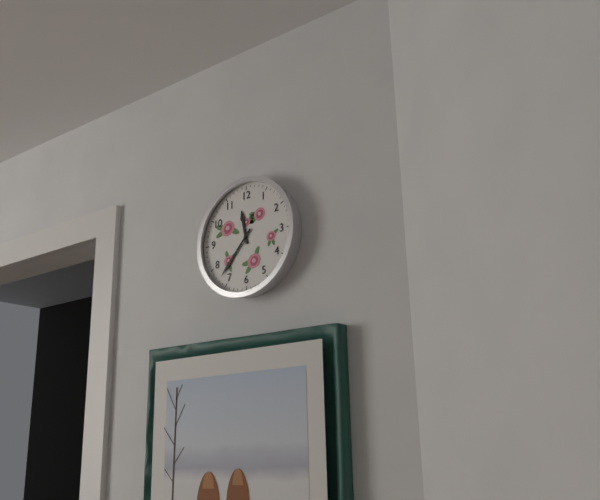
11:37
